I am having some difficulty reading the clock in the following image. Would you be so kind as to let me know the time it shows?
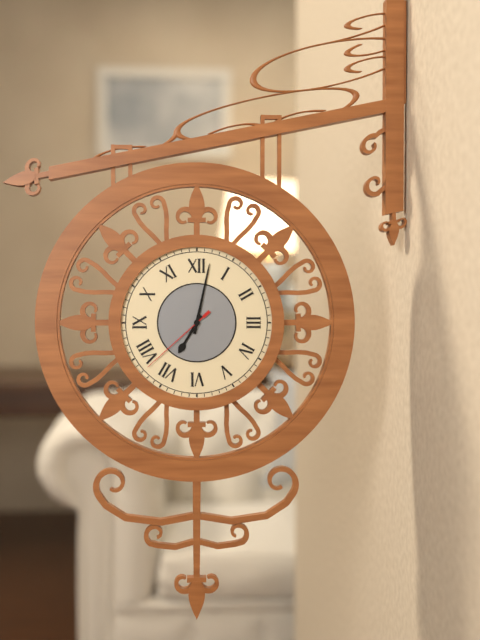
7:02:38
